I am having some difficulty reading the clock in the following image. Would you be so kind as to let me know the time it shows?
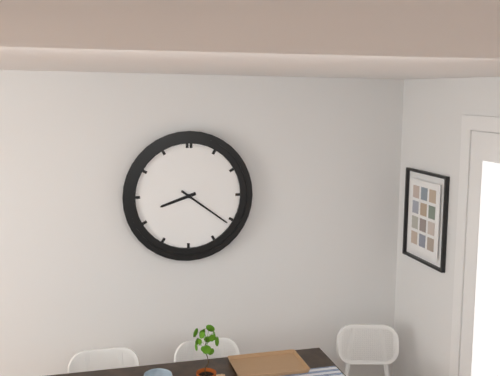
8:21
